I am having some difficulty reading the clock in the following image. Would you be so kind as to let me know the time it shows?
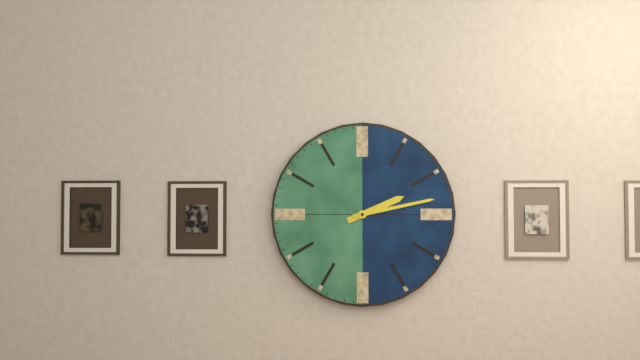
2:13
